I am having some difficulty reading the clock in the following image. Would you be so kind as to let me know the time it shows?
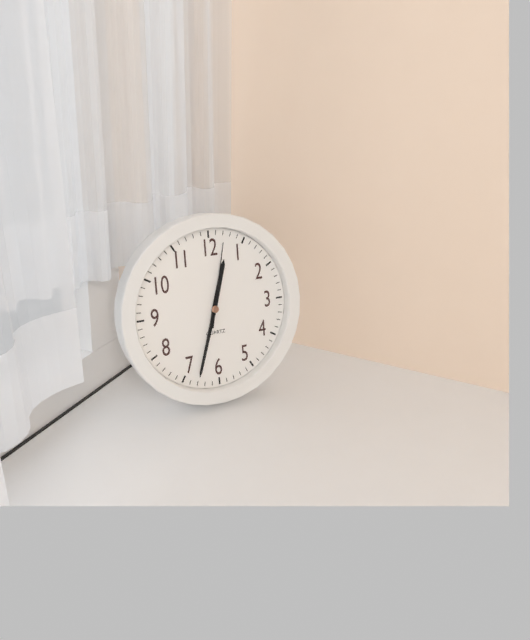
12:33:02
